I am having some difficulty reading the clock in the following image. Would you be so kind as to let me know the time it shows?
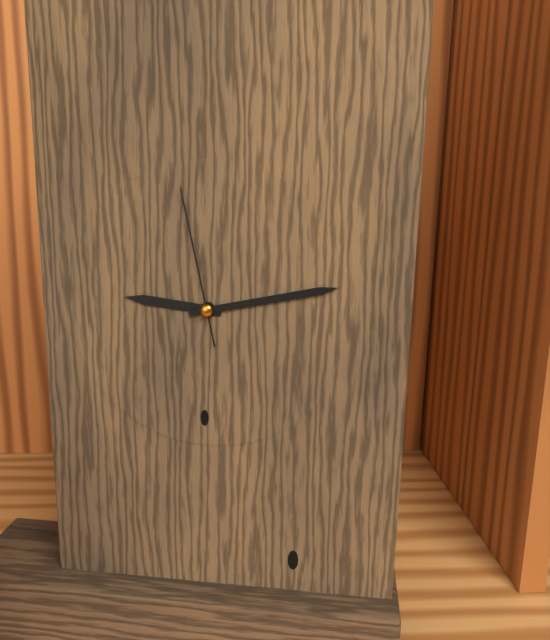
9:13:58
